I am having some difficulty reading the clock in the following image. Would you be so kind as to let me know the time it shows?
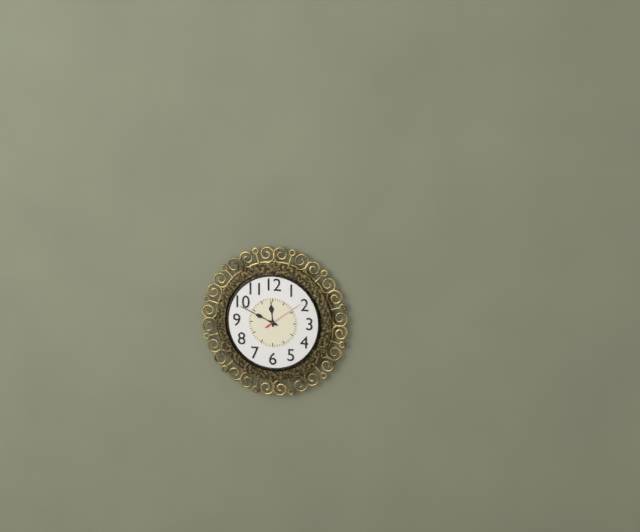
11:49
